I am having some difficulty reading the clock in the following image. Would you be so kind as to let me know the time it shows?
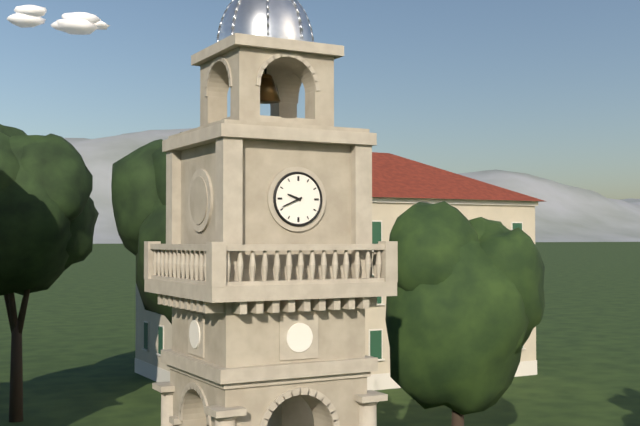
9:41
